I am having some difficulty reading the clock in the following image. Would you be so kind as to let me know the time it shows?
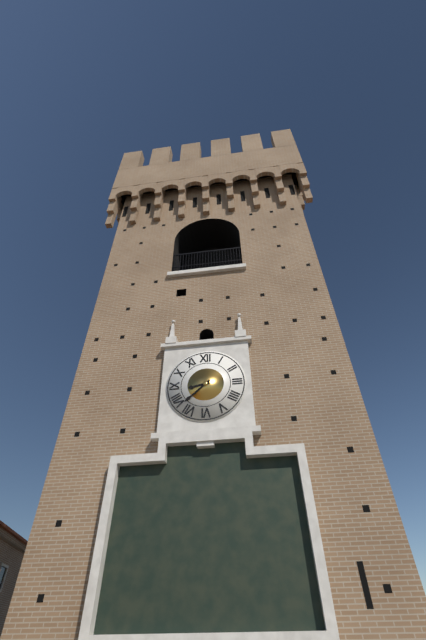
8:38
